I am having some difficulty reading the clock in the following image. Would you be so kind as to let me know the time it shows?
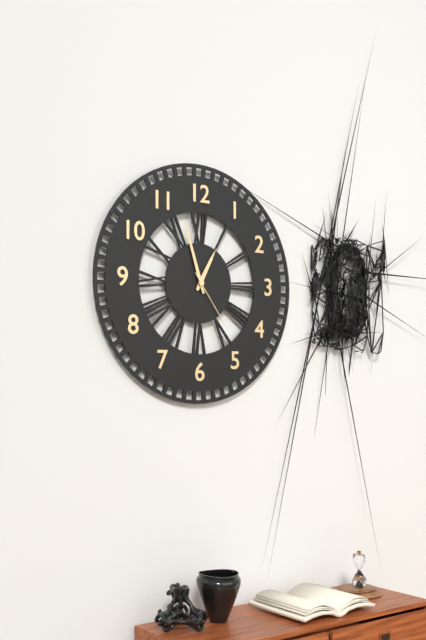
12:57:24
